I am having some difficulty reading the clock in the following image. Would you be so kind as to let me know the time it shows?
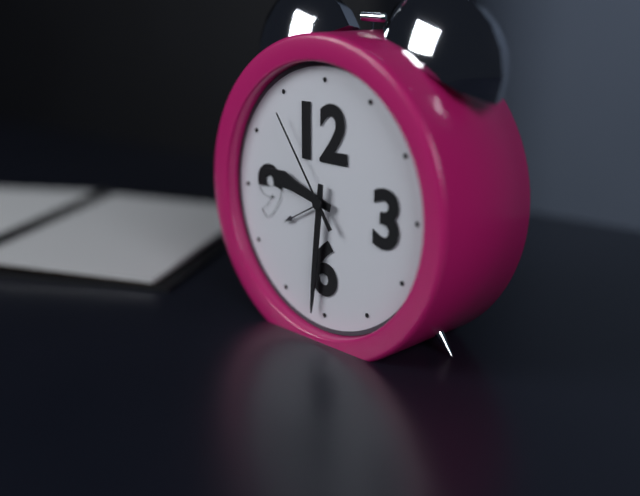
9:31:54
